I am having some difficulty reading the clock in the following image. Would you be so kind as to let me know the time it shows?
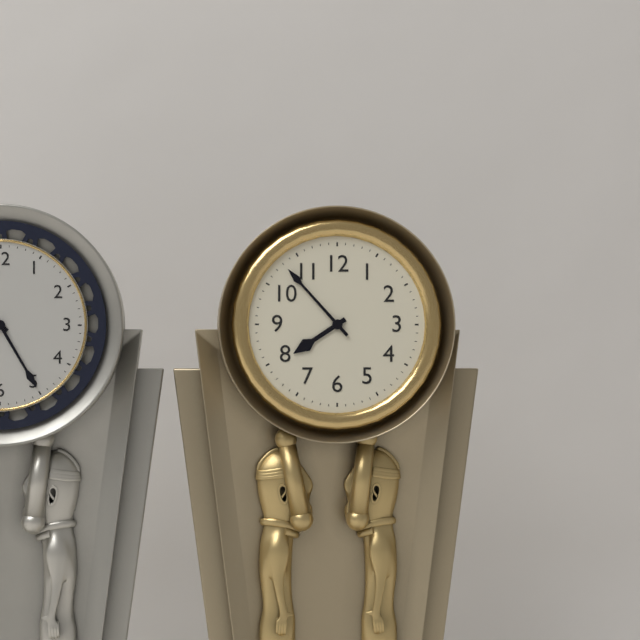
7:53
